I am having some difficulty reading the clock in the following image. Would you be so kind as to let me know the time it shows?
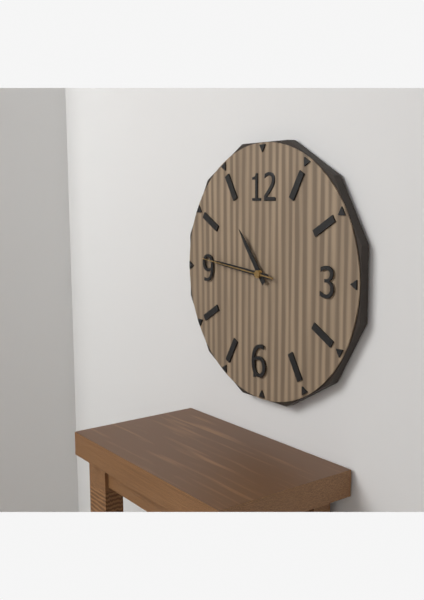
10:46:46
